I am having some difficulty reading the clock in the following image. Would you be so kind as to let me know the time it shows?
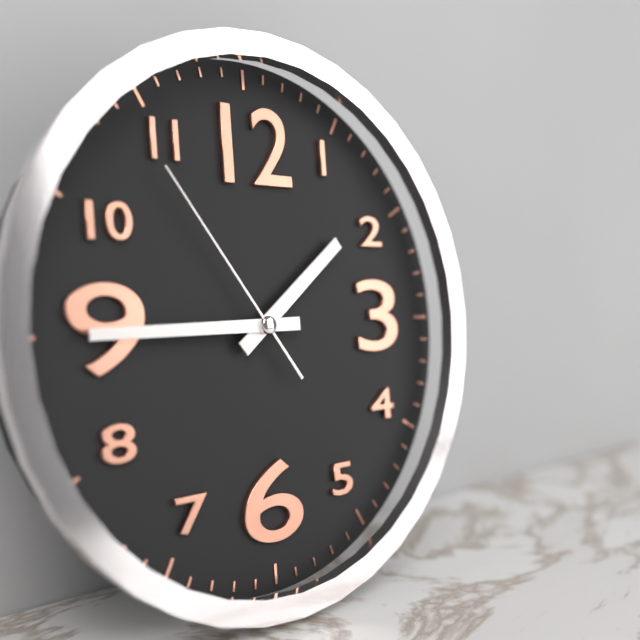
1:45:54
